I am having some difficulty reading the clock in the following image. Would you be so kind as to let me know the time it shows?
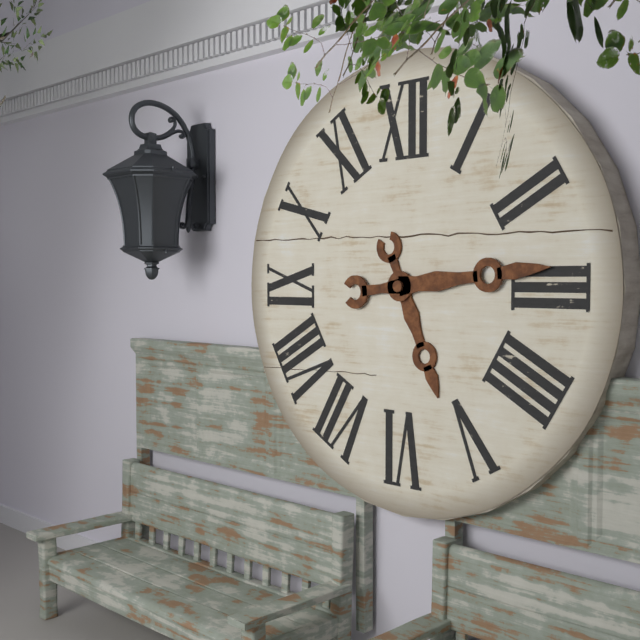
5:14
